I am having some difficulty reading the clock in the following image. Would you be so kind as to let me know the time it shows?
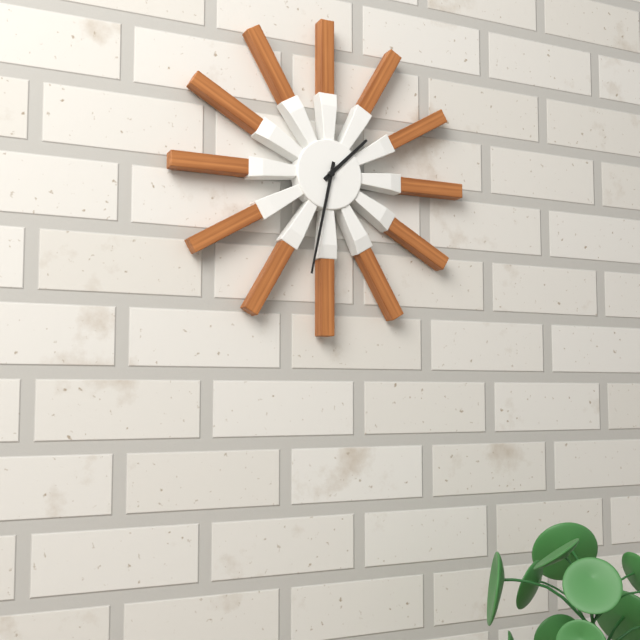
1:32
